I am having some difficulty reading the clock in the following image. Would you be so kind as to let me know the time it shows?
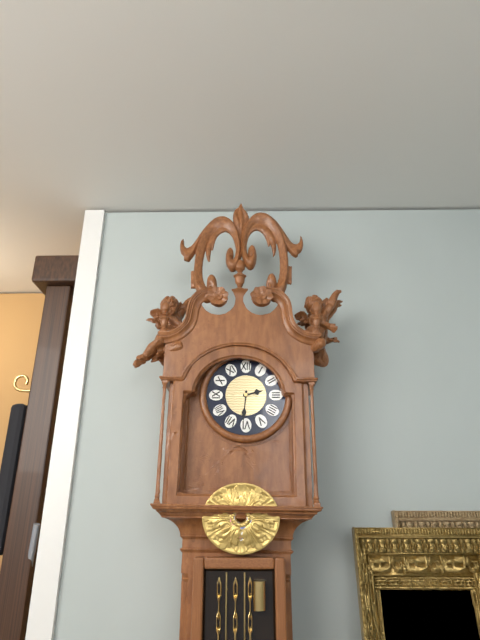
2:31
